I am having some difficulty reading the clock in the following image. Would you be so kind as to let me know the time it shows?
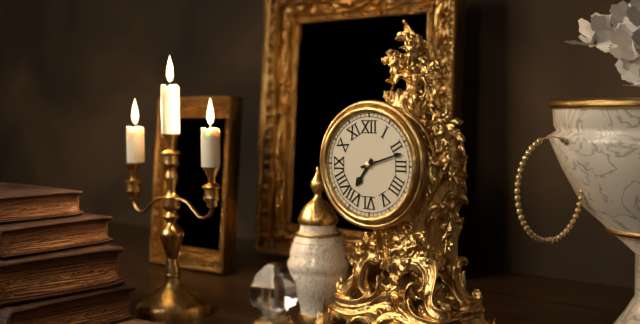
7:12
